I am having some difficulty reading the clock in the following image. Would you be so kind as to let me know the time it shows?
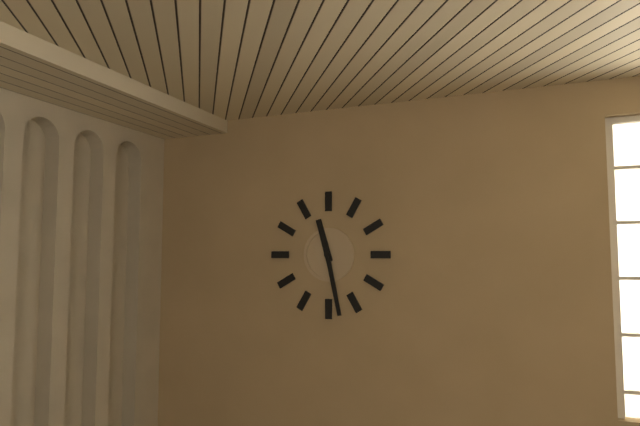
11:28
